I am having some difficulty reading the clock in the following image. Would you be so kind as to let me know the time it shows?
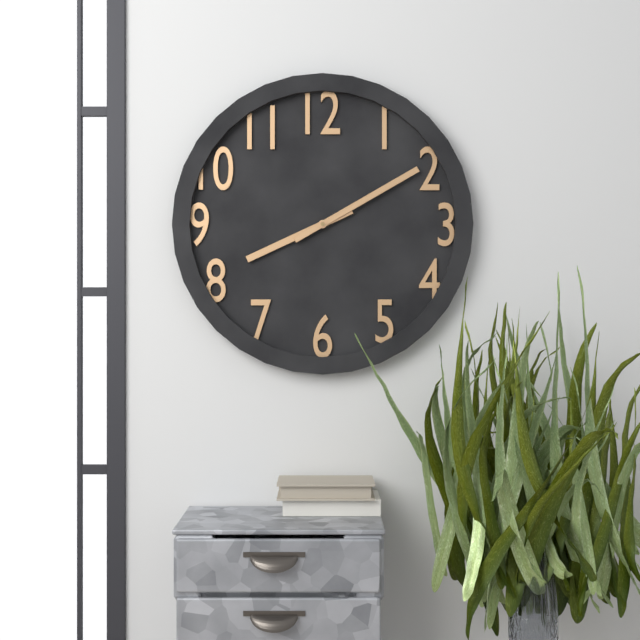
8:10
